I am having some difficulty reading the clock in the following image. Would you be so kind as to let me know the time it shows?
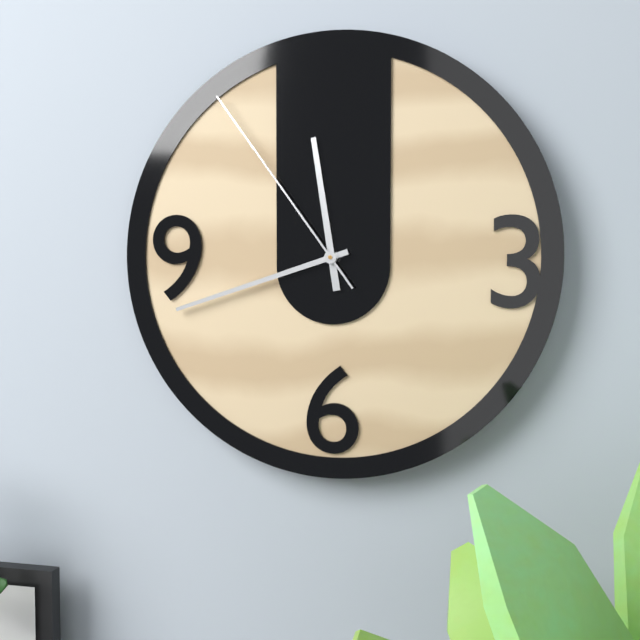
11:42:54
